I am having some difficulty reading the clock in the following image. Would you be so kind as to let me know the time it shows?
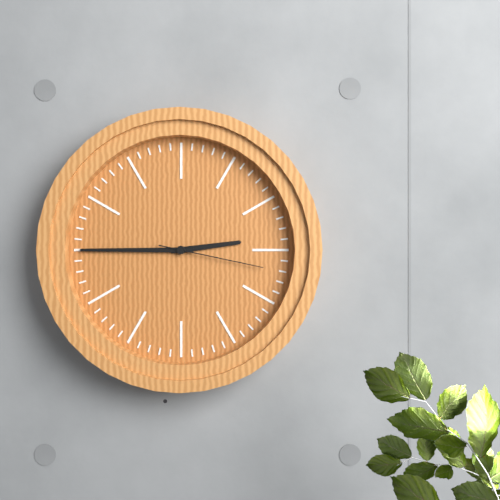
2:45:17
